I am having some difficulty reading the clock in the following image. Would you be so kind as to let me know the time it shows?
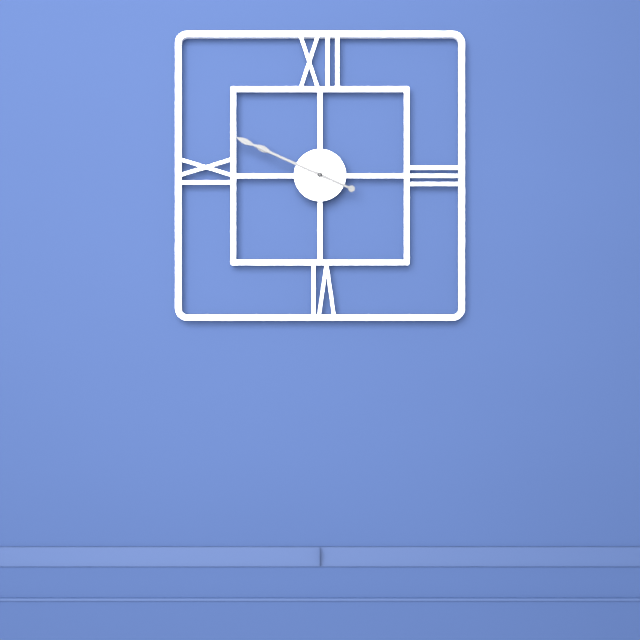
9:49
